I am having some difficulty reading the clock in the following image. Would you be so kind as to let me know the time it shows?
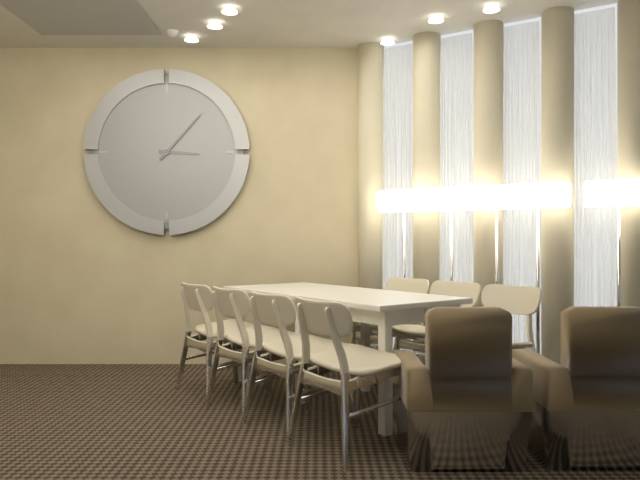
3:07
